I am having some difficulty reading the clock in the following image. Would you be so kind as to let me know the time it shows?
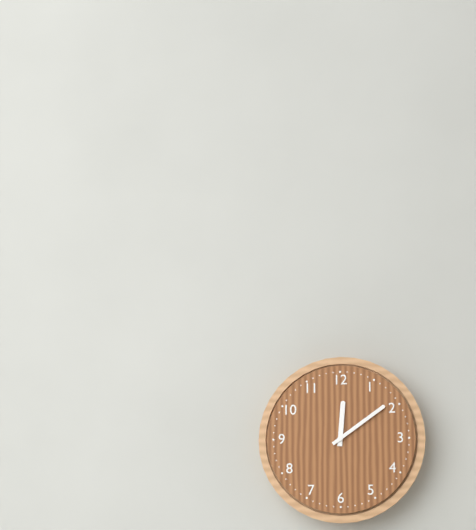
12:09
